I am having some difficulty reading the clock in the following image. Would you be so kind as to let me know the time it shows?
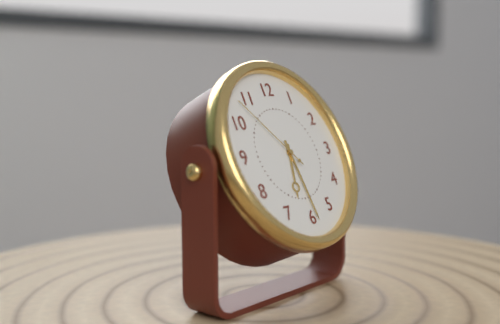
6:29:53
